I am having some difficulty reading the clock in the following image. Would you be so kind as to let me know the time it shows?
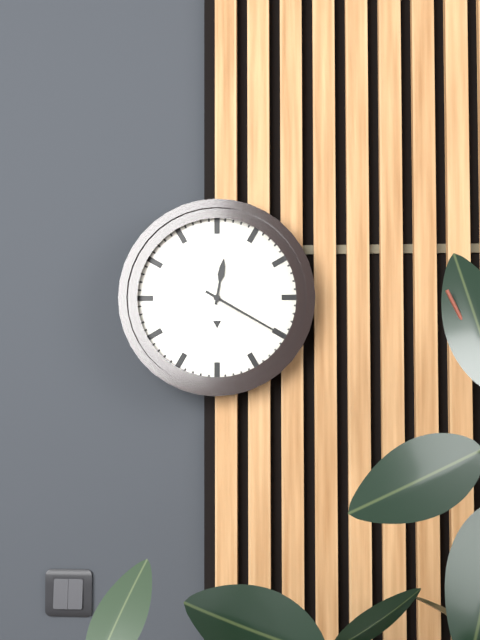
12:20
